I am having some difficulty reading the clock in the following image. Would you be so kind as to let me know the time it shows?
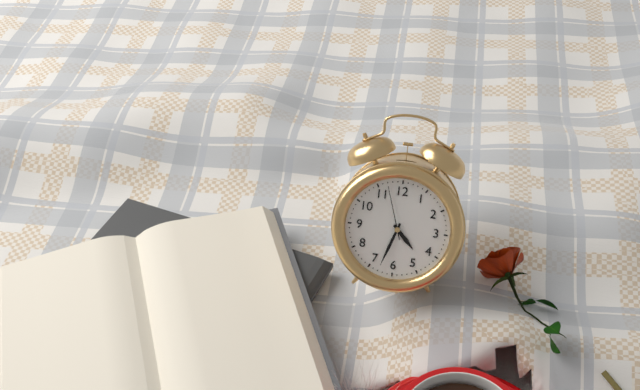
4:33:57
